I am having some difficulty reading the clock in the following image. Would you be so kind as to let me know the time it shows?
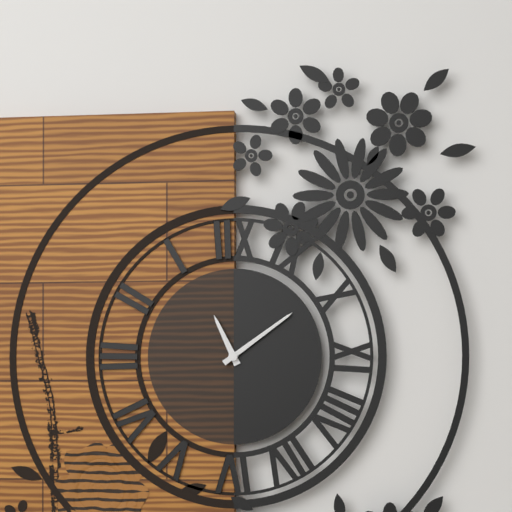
11:09
